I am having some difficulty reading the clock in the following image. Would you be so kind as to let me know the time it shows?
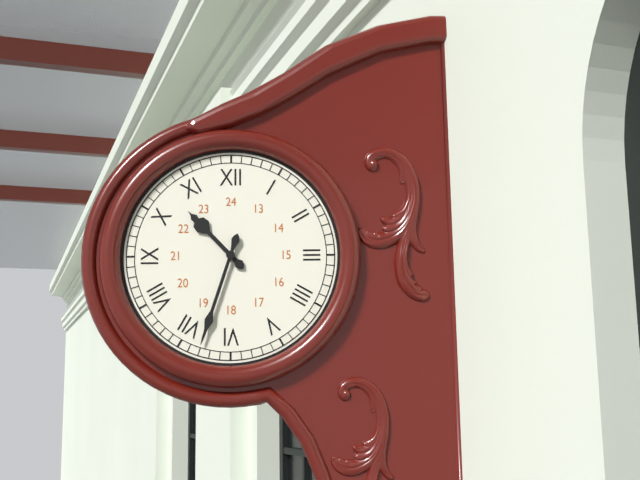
10:33
